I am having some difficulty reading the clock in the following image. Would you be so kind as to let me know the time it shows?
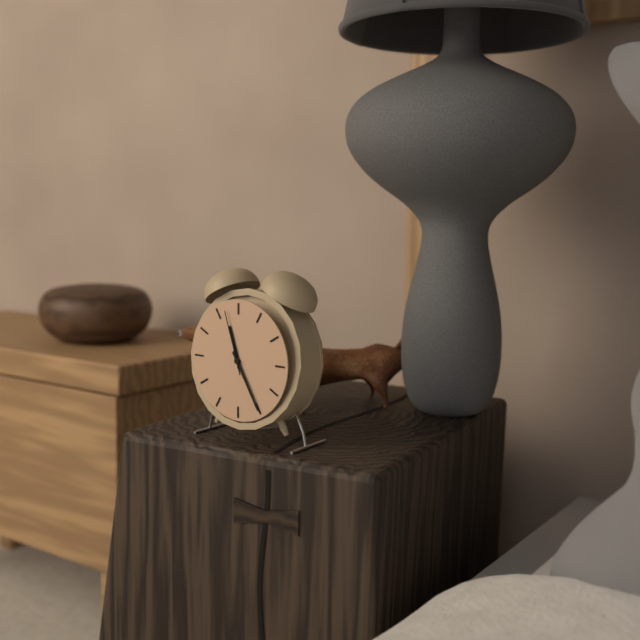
11:25:57
